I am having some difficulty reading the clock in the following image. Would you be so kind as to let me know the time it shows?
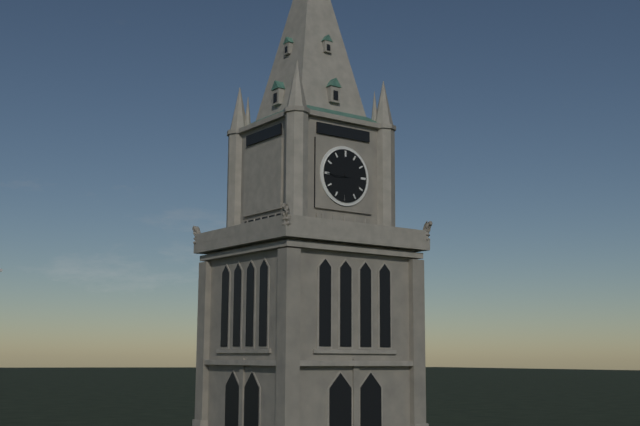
8:45
